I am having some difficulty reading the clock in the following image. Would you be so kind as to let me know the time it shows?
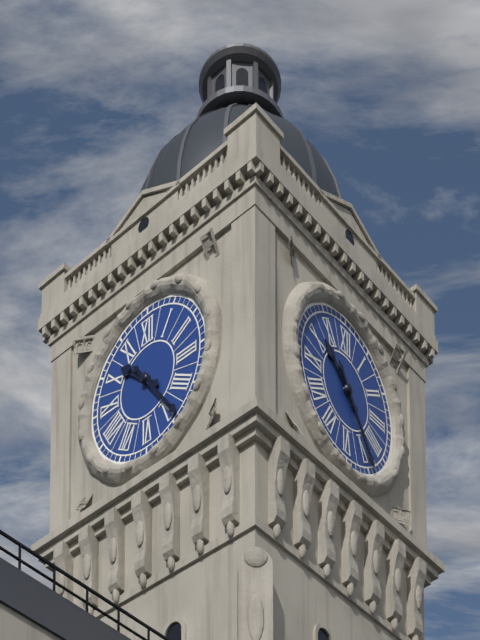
10:24
